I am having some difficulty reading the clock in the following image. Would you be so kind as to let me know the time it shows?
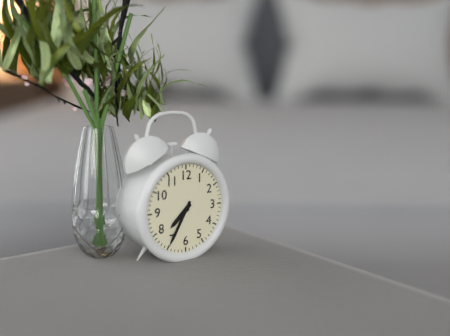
7:35
